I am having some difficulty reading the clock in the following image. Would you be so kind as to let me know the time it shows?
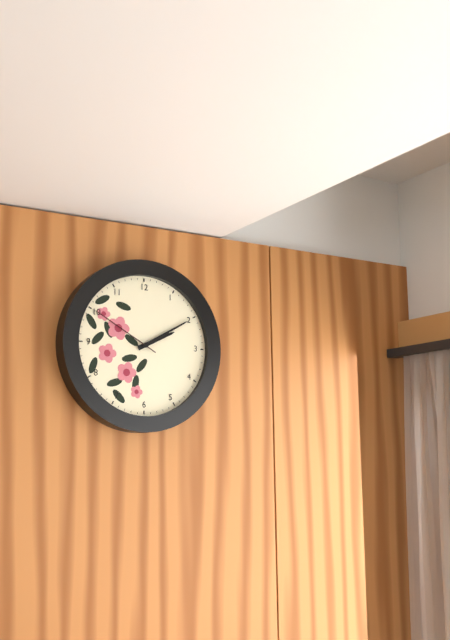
2:10:50
